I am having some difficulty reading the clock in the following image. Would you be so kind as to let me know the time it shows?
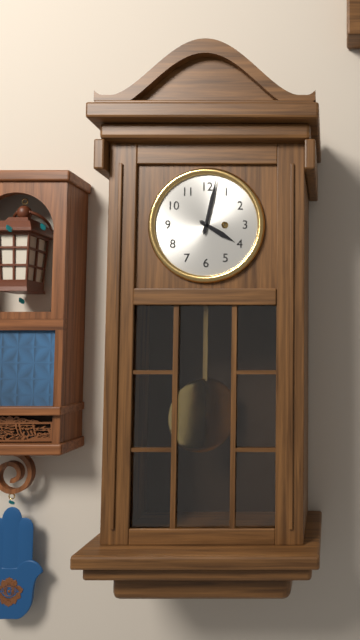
4:02
